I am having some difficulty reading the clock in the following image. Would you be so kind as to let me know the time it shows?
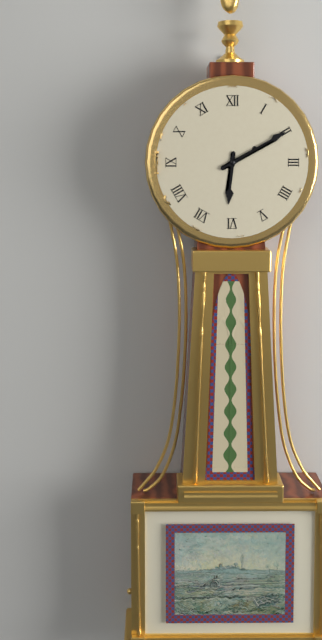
6:10
